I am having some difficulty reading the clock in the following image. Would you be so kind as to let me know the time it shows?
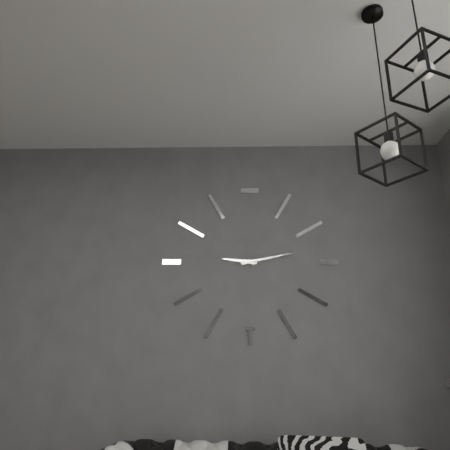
9:13
